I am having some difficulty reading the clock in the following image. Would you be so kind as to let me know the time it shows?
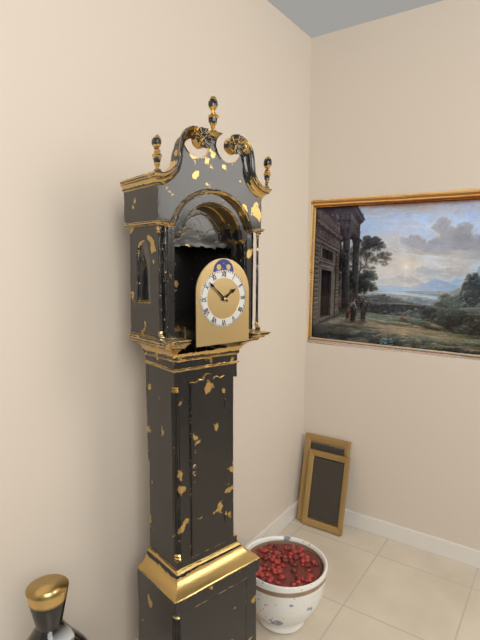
1:52
